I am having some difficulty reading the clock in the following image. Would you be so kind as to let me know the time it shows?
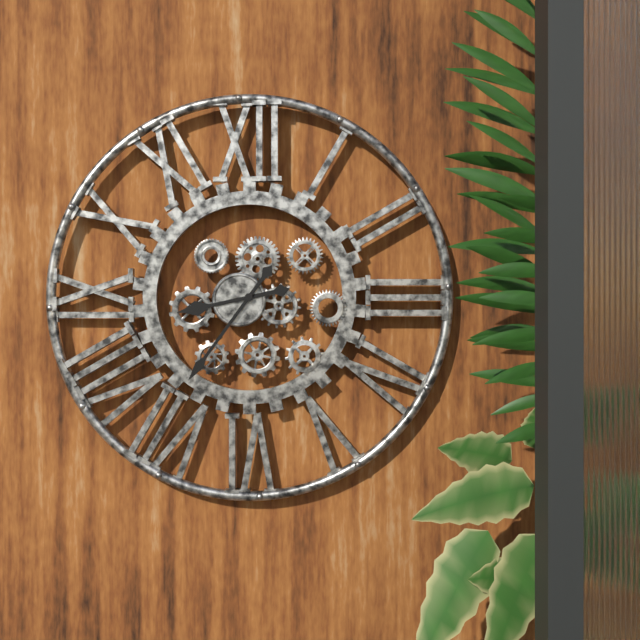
8:36
